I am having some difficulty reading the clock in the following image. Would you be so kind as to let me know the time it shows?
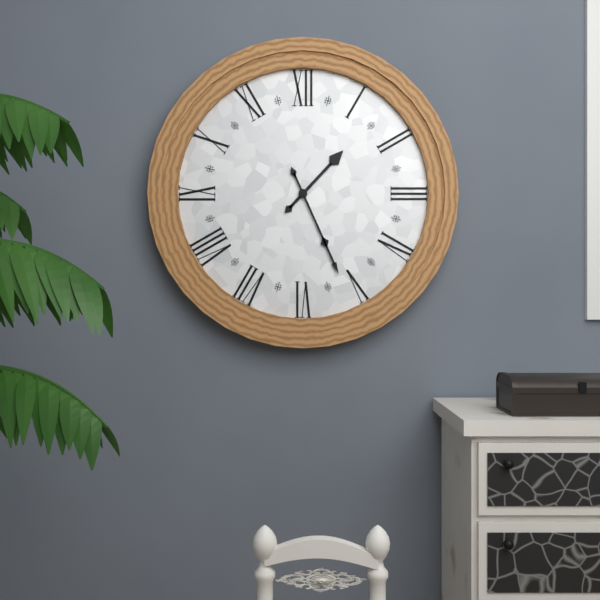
1:26
